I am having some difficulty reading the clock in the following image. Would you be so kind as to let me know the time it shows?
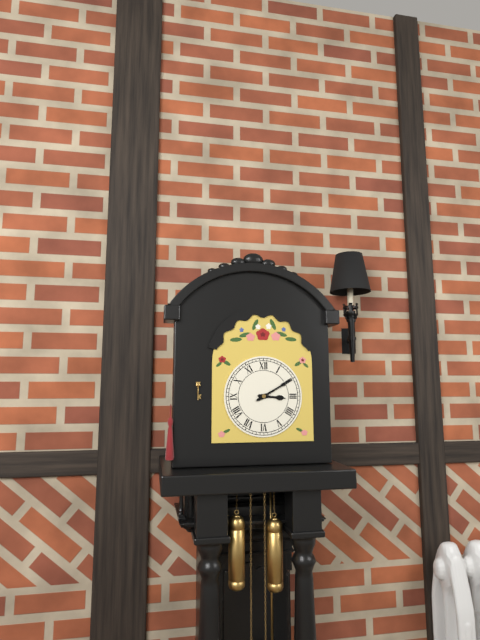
3:10
